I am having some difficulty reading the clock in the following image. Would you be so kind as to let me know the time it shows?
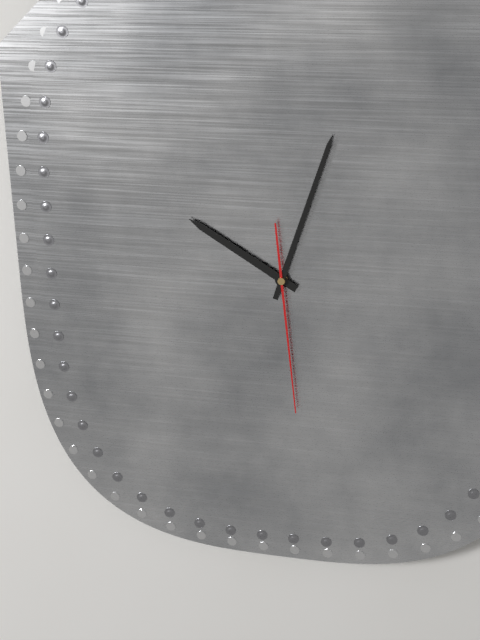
10:03:29
